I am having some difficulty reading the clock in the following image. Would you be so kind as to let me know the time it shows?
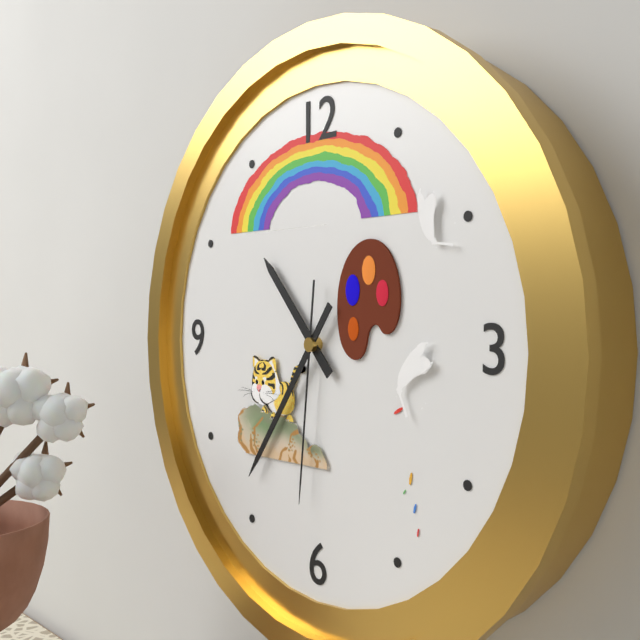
10:36:31
